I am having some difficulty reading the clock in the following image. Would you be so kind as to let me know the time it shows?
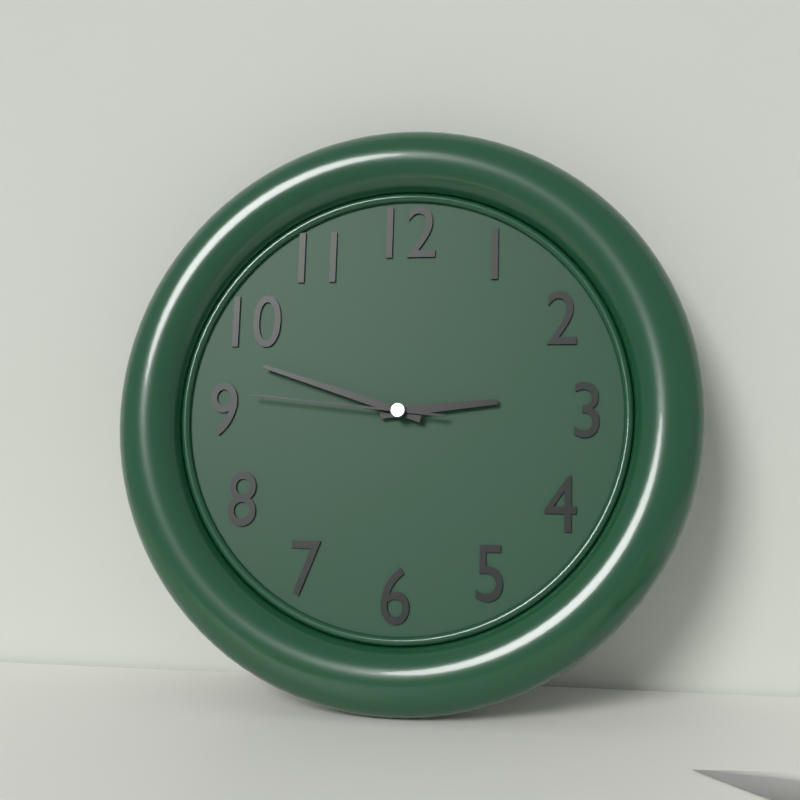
2:48:46
